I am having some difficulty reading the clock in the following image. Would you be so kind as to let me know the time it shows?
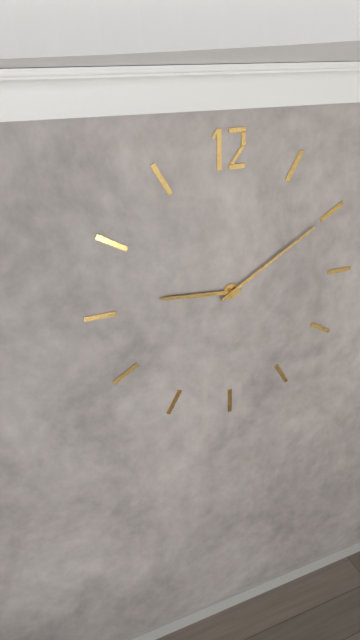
9:10
